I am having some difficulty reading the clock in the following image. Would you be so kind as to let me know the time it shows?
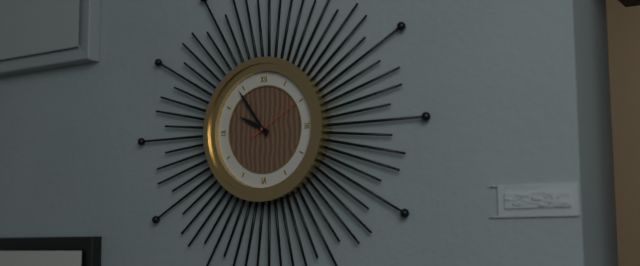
9:54
